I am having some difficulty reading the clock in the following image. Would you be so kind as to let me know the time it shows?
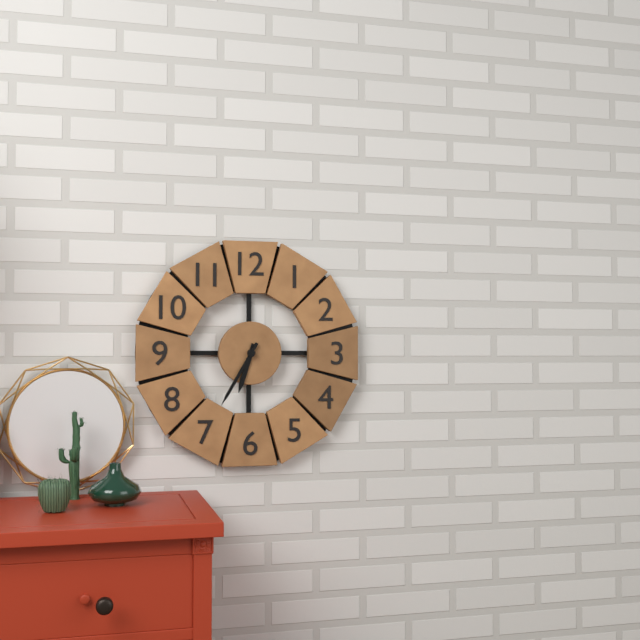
6:35
